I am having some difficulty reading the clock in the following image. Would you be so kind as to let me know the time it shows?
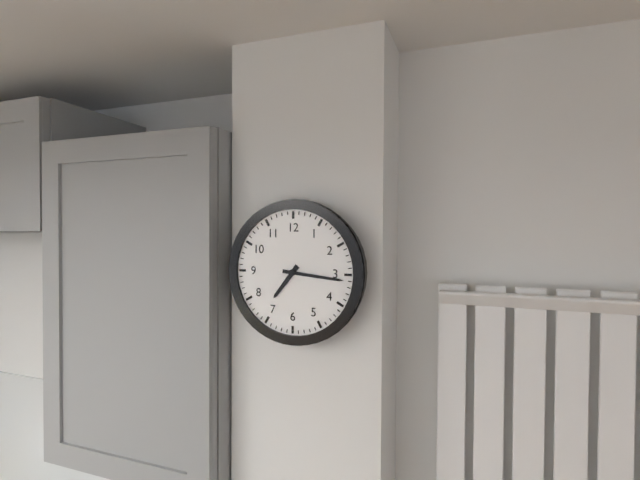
7:16
